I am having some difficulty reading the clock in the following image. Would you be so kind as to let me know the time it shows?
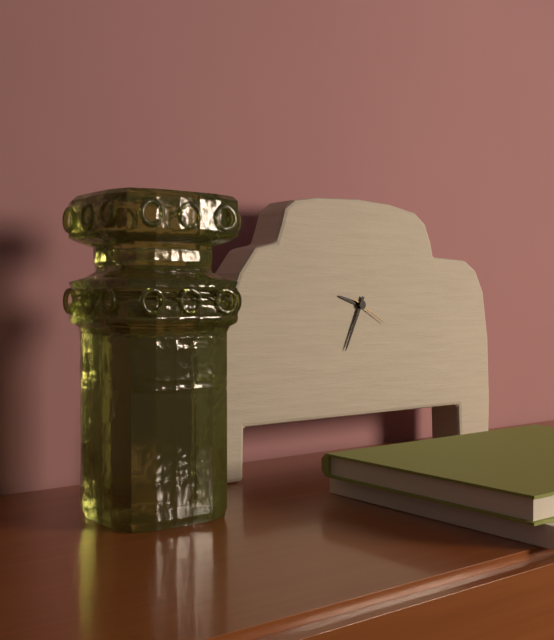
9:34
